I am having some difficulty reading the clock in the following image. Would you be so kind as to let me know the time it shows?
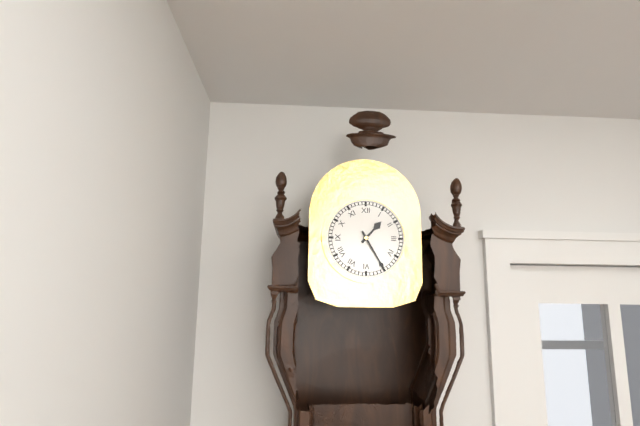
1:25
